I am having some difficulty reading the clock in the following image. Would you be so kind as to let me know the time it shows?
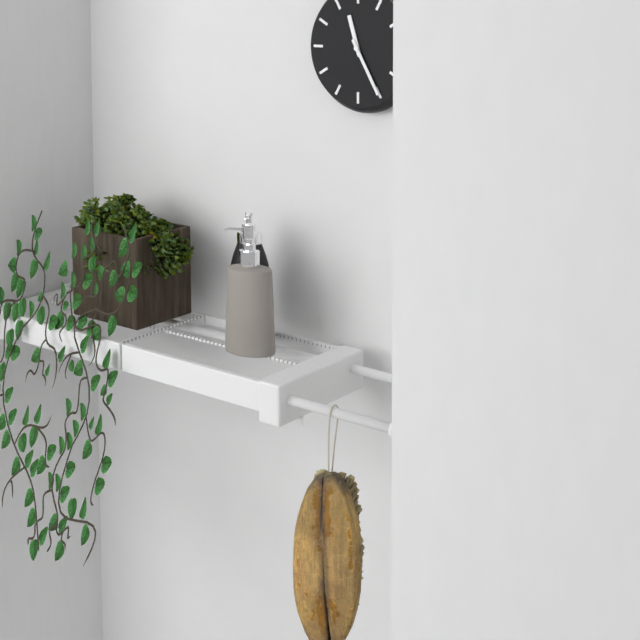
11:25
